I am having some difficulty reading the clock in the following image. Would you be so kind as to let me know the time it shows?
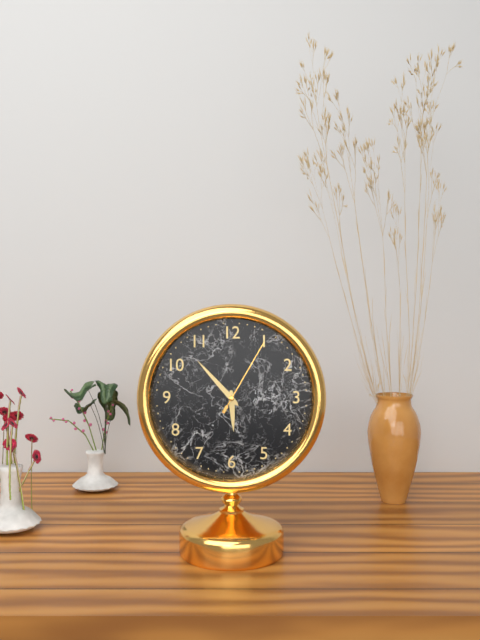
5:53:05
